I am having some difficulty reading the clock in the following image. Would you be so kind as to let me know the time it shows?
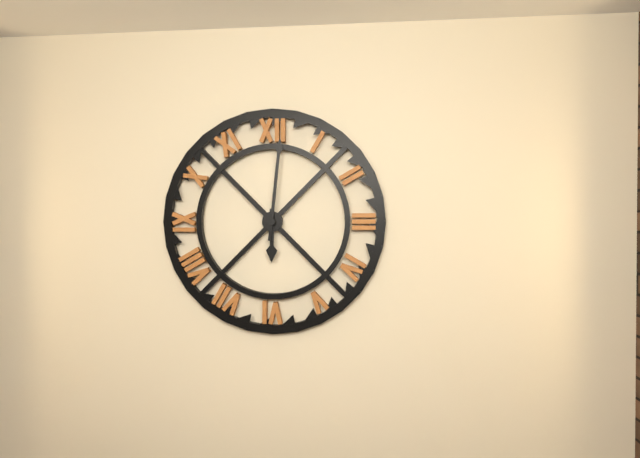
6:01
